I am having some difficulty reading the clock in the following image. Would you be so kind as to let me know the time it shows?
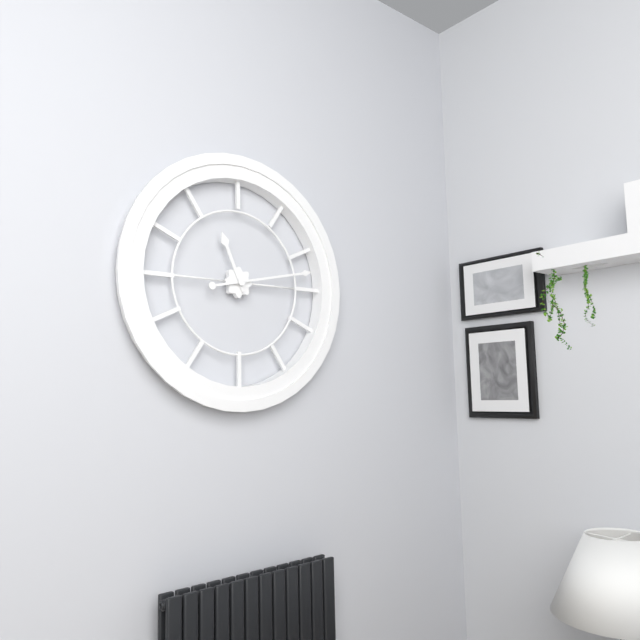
11:13
